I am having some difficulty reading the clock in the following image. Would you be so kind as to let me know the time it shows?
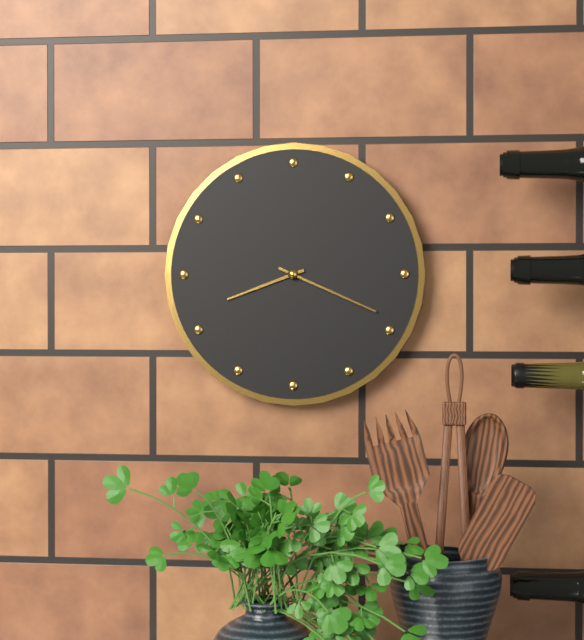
8:19
